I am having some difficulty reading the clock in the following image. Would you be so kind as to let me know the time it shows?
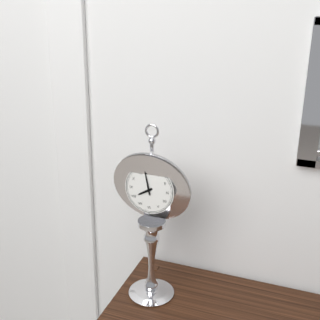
7:58
